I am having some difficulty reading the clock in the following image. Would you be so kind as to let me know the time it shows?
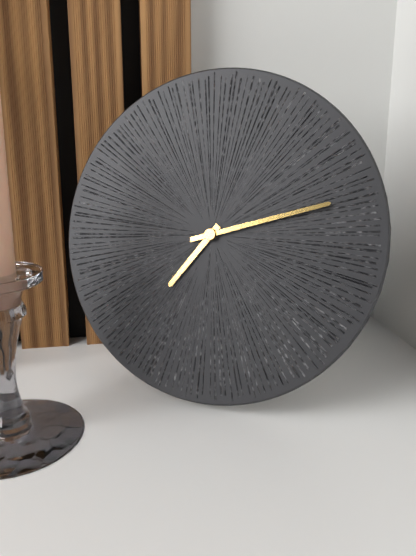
7:12
